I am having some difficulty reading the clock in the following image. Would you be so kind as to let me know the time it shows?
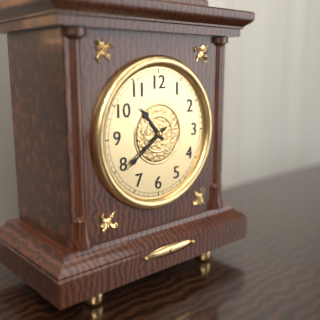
10:39
